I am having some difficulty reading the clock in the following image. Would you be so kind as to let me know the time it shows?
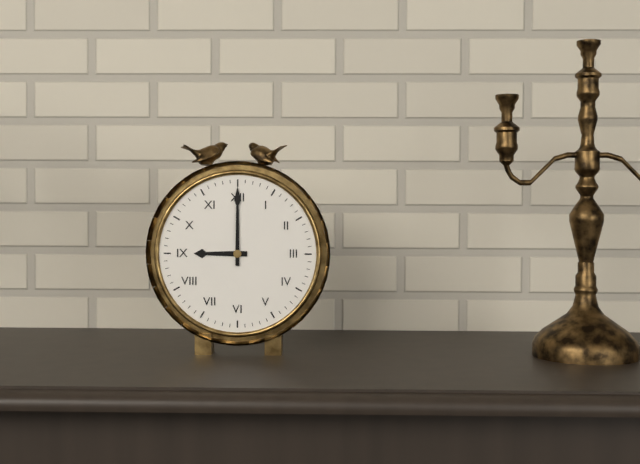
9:00
